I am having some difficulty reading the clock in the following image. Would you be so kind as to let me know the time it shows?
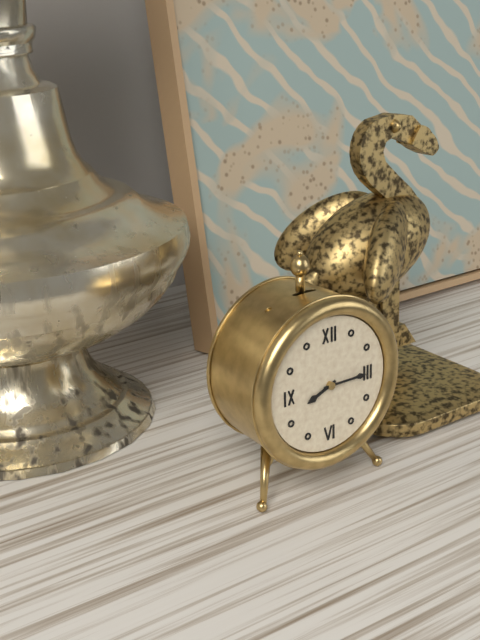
8:15
